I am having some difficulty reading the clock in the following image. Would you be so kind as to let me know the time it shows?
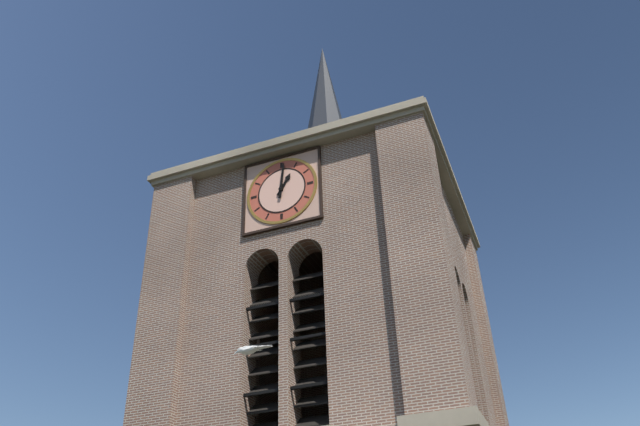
1:01
